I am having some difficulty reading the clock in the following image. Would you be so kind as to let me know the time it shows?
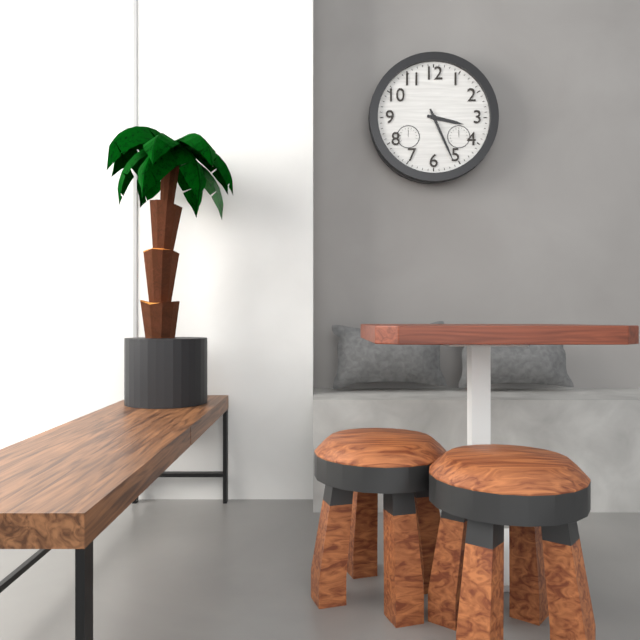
3:26
